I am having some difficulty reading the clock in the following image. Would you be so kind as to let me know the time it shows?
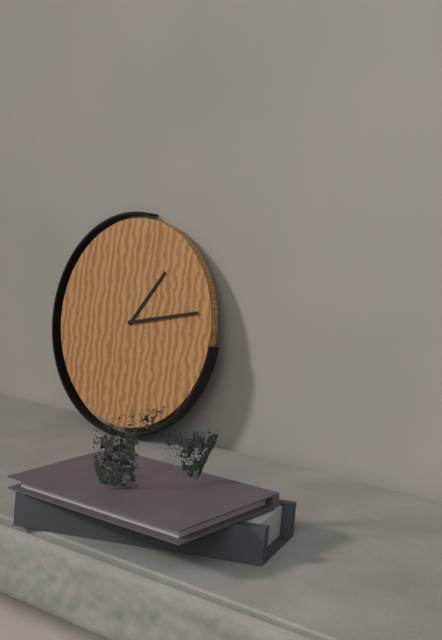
1:13
